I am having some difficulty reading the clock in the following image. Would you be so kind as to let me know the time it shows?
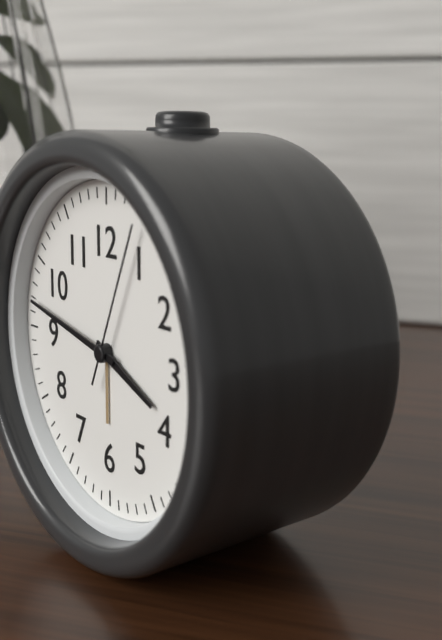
3:47:04
